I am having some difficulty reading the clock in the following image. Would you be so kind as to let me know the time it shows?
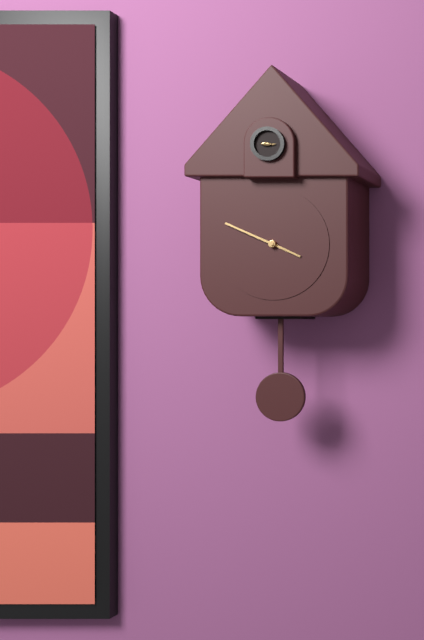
3:49
